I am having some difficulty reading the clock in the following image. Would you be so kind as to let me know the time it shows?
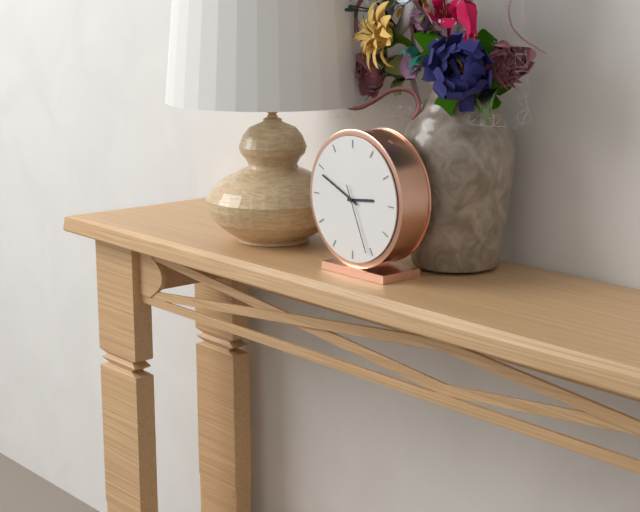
2:49:26
